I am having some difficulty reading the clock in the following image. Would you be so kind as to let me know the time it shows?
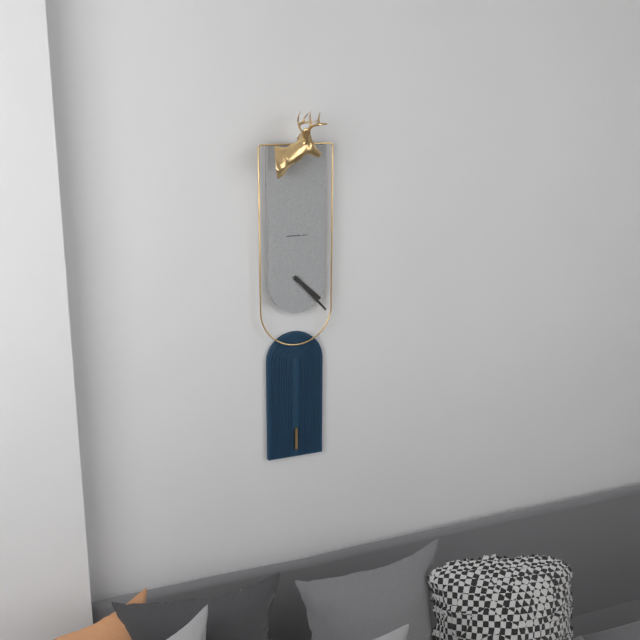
4:23
